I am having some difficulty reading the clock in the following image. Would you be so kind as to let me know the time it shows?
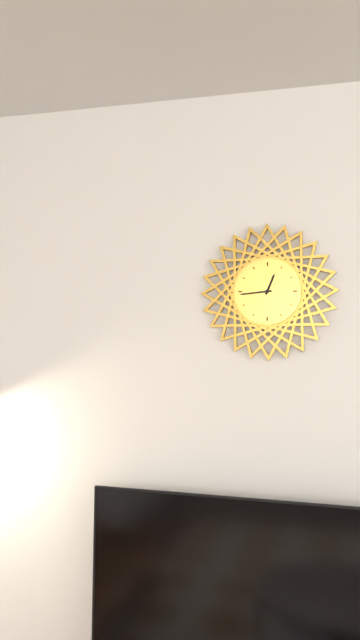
12:44
